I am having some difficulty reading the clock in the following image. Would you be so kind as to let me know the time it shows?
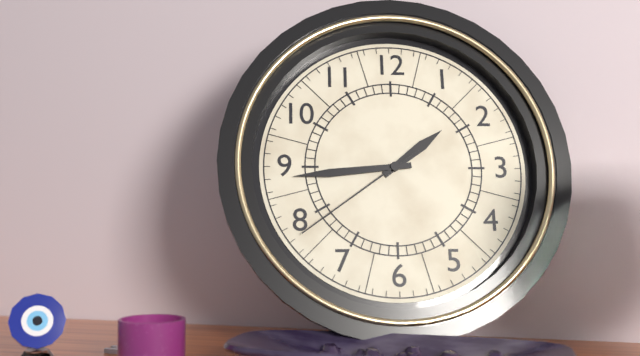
1:44:39
